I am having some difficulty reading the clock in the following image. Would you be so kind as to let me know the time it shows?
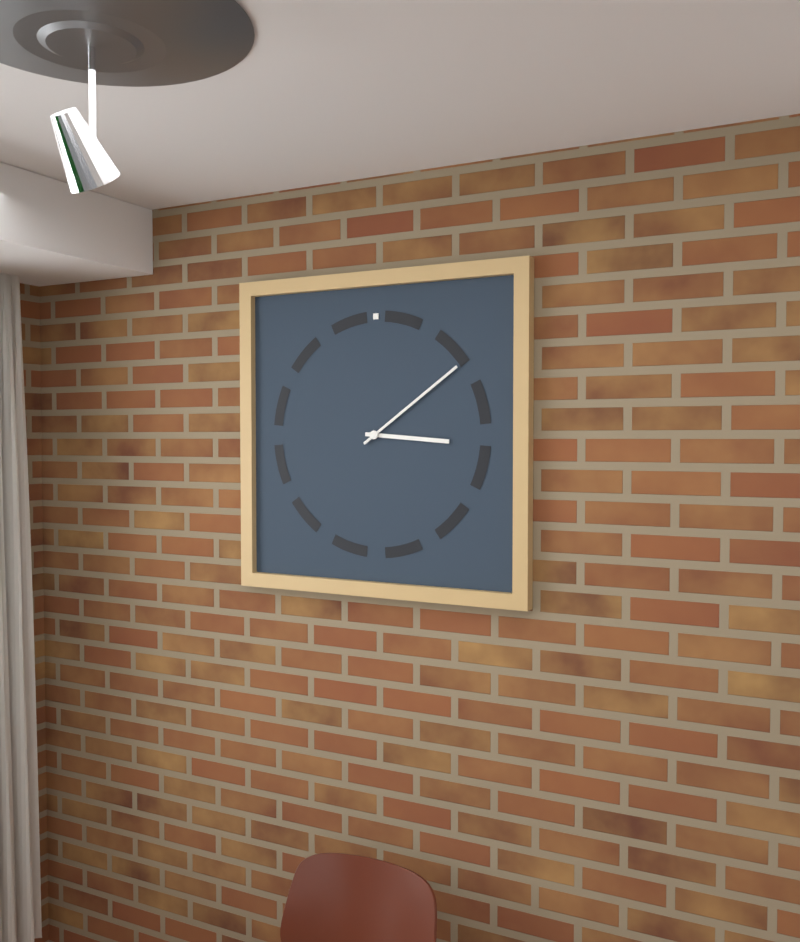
3:09
